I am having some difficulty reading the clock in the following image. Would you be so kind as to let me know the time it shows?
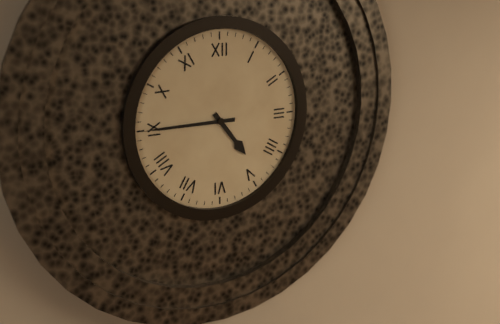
4:45
